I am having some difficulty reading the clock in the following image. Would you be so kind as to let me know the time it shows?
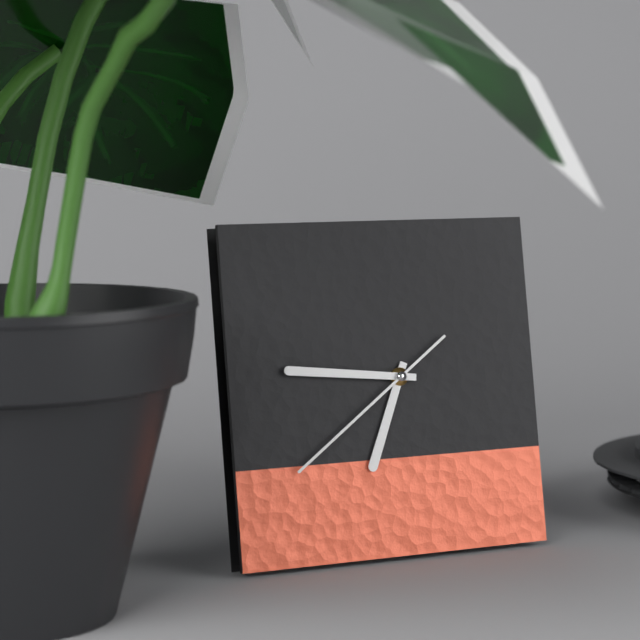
6:46:39
